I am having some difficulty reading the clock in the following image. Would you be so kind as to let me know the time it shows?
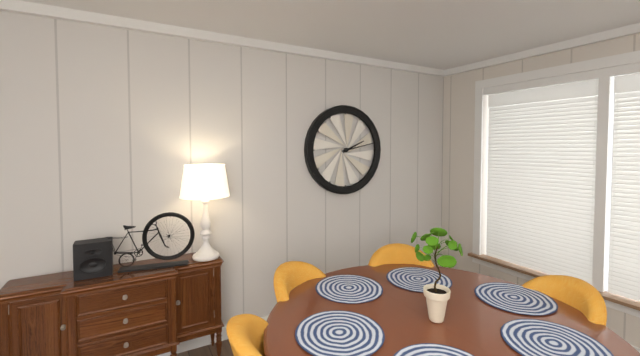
2:13
